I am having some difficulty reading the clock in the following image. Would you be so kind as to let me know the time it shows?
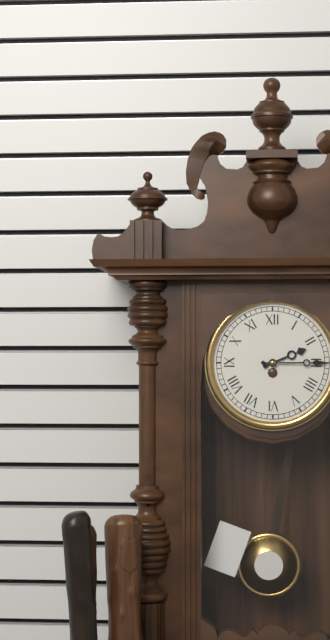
2:15
